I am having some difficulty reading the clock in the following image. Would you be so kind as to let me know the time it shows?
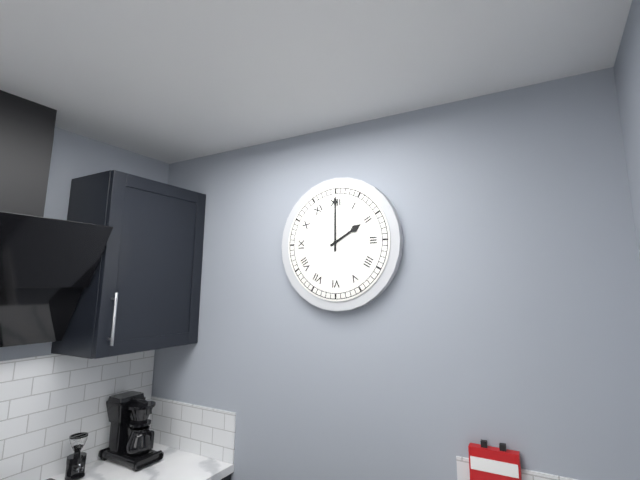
2:00
